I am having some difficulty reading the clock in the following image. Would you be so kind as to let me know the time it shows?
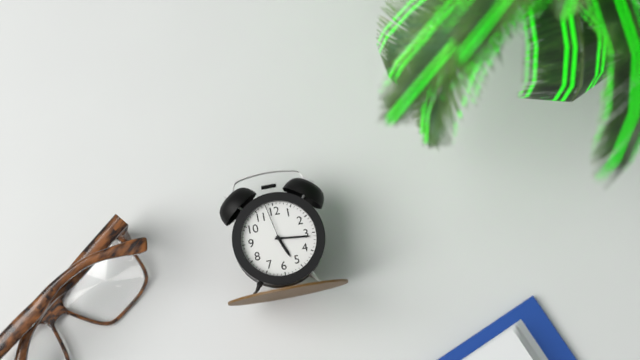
5:16
